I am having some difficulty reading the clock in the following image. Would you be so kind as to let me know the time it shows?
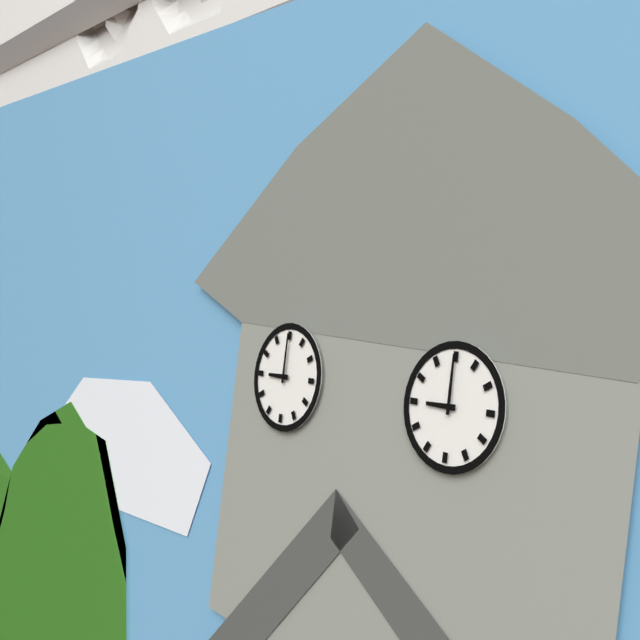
9:00
